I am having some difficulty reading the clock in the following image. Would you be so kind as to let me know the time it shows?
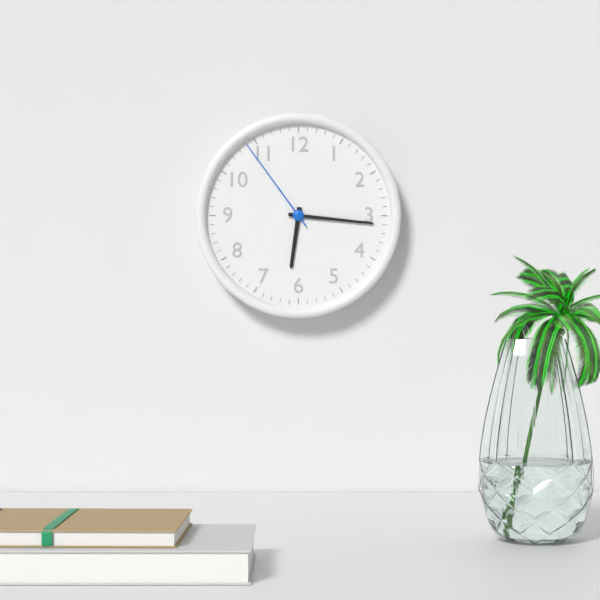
6:16:54
